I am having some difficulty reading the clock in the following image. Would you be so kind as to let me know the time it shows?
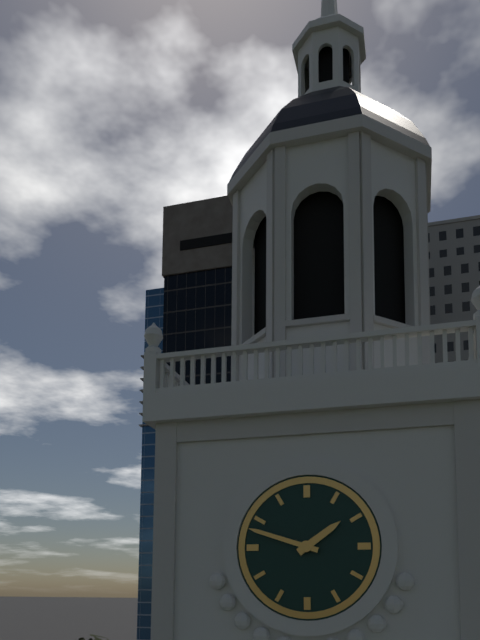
1:48
